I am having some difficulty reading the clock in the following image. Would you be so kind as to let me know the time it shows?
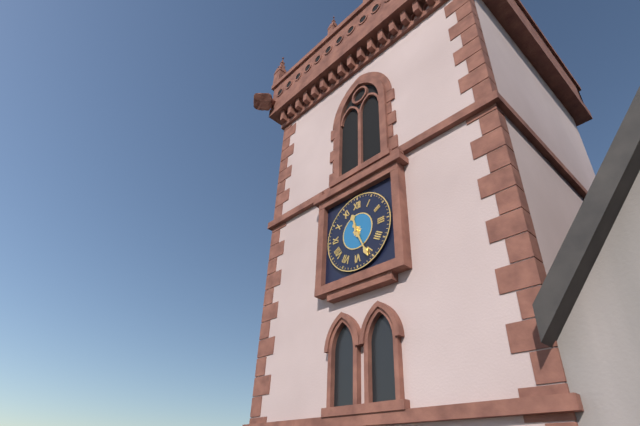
11:26
